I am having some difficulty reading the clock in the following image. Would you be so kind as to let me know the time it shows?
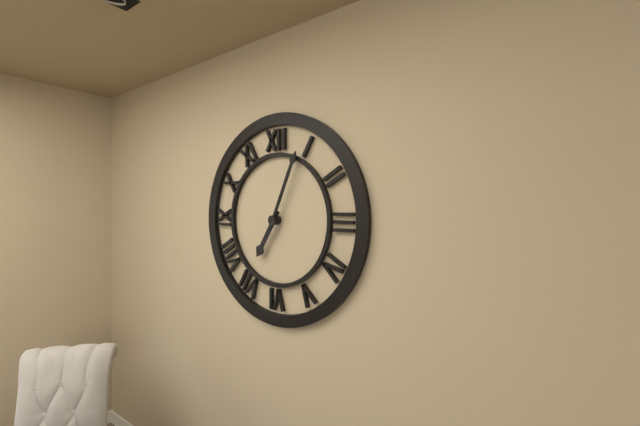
7:04
